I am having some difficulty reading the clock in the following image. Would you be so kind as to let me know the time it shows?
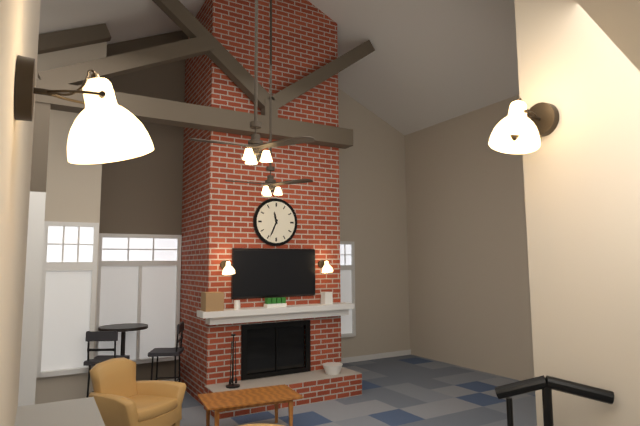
11:34
